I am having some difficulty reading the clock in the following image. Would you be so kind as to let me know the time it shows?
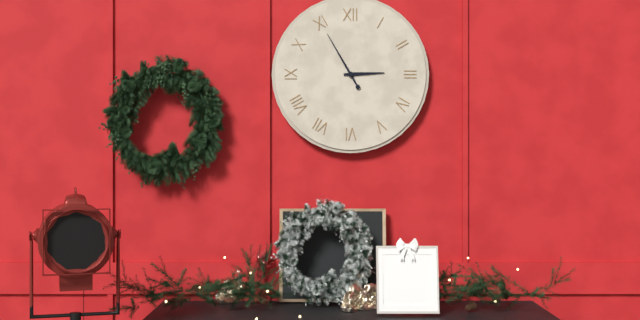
2:55
